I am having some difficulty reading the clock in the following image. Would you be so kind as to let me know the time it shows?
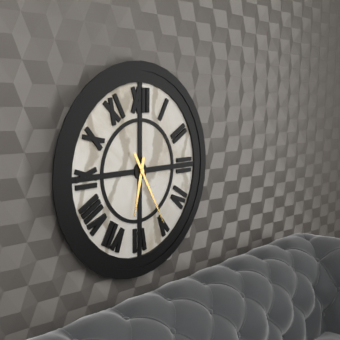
6:25
